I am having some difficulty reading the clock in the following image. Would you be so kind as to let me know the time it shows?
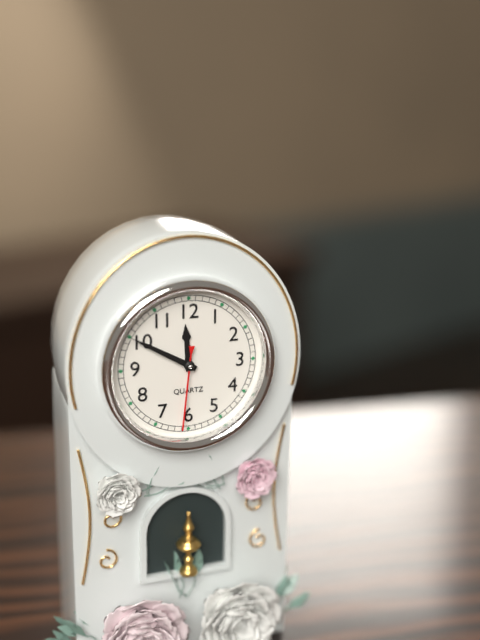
11:50:31
